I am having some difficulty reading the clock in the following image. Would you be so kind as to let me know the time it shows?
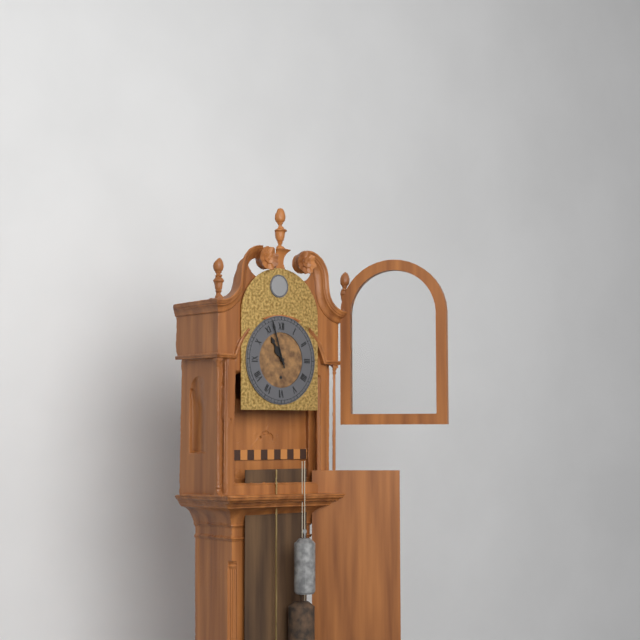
10:57
